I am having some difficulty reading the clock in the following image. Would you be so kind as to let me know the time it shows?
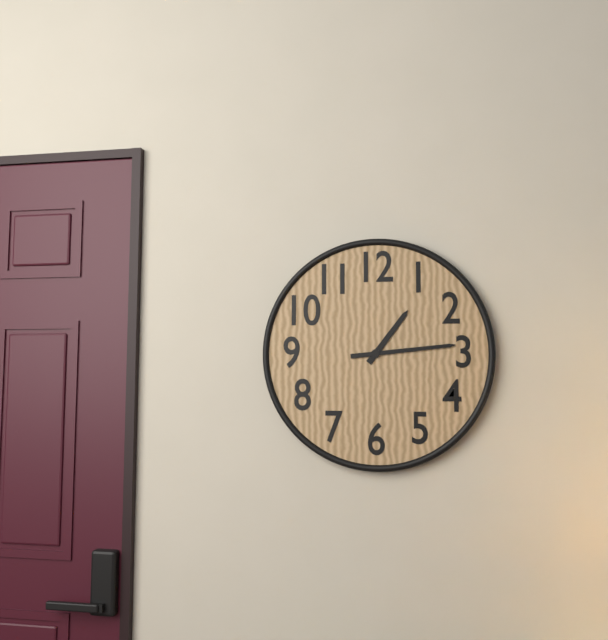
1:14
